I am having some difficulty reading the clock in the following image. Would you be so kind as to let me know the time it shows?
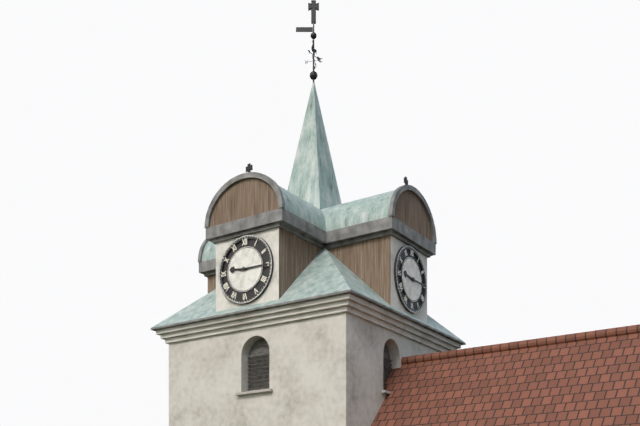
9:15
